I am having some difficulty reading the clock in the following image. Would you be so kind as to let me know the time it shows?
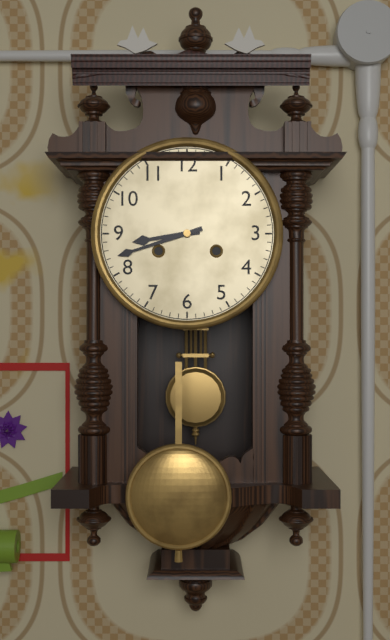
8:42
